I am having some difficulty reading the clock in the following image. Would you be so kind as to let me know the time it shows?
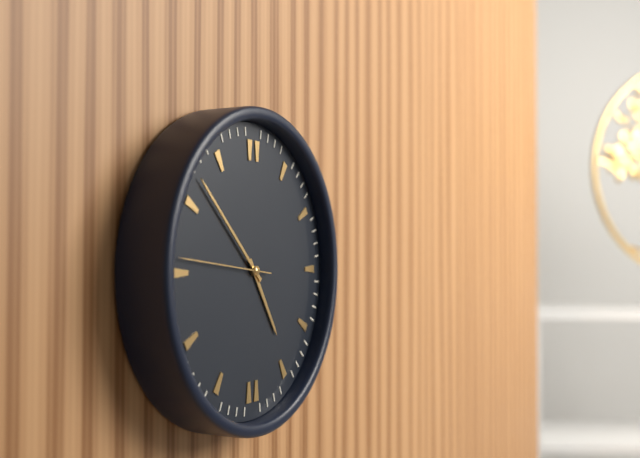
4:52:46
